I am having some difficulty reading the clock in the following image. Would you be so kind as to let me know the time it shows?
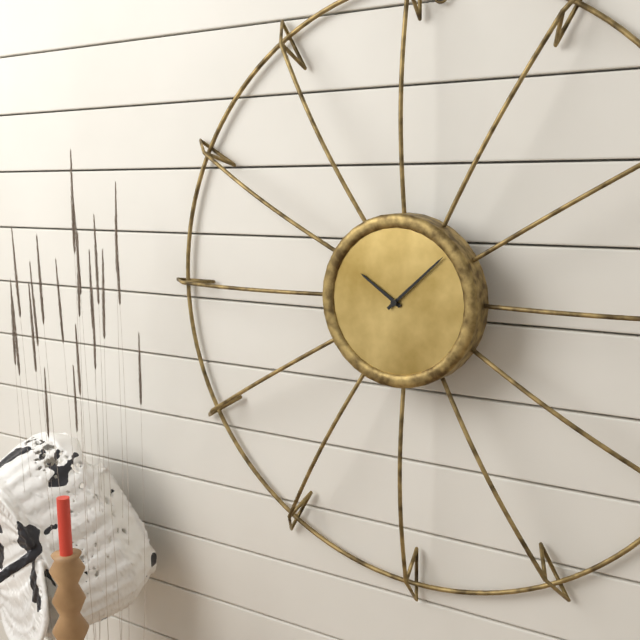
10:08
